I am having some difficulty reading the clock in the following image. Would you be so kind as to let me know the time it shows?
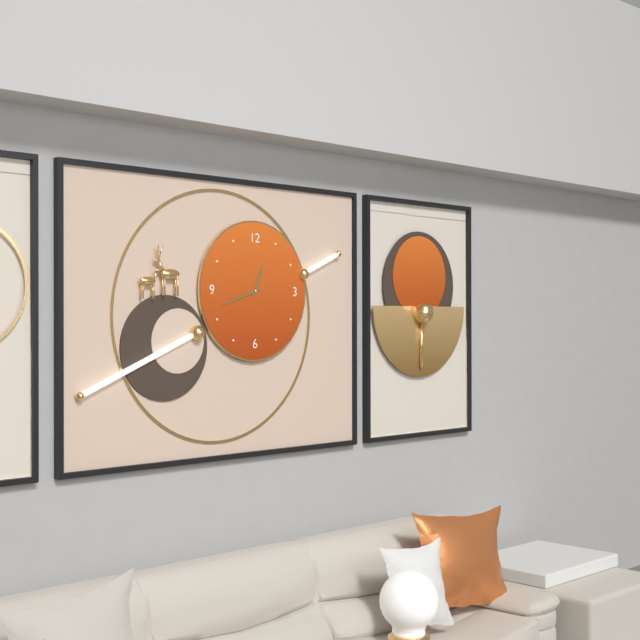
12:42
